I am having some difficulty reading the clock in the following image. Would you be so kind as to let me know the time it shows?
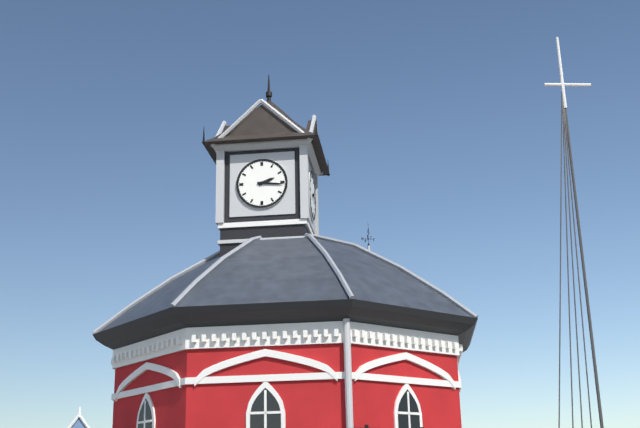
2:16
